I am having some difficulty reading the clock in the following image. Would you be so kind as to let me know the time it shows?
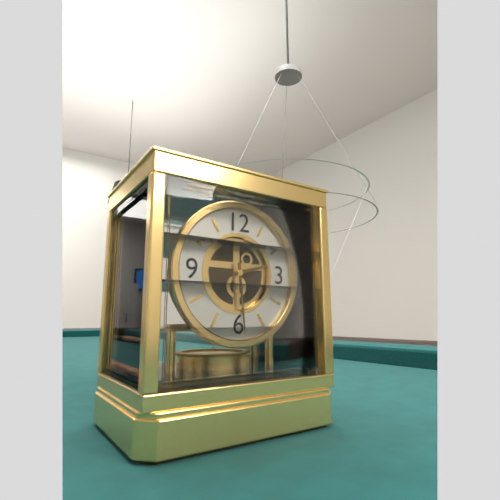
2:29
